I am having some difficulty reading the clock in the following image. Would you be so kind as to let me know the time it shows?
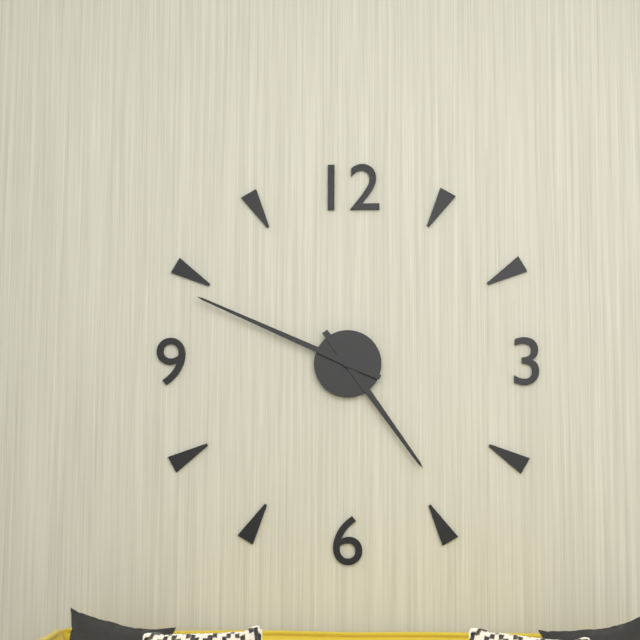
4:49
